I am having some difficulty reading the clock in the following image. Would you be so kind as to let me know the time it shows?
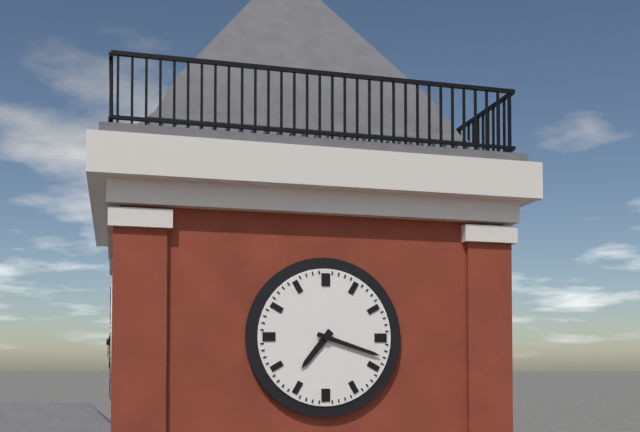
7:18
